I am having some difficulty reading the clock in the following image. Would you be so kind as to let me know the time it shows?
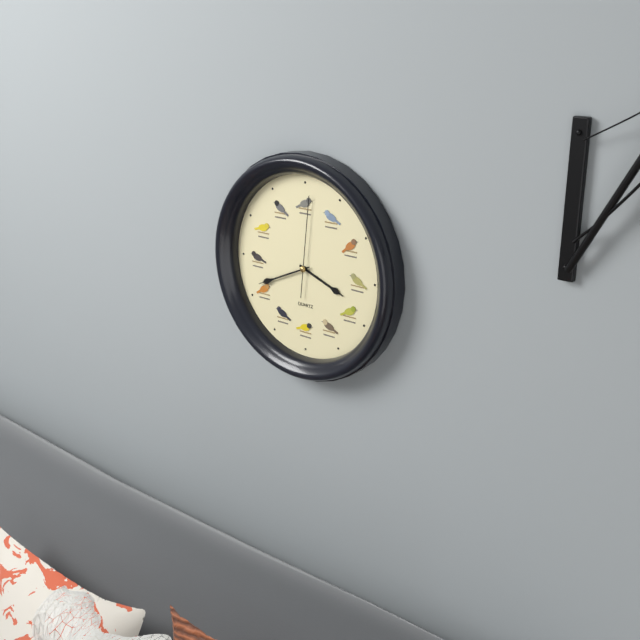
3:41:01
